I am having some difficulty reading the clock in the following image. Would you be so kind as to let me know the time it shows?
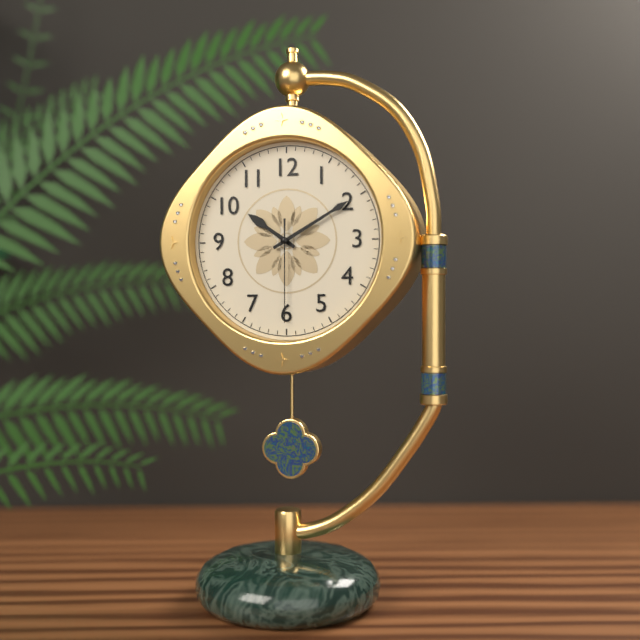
10:10:30
